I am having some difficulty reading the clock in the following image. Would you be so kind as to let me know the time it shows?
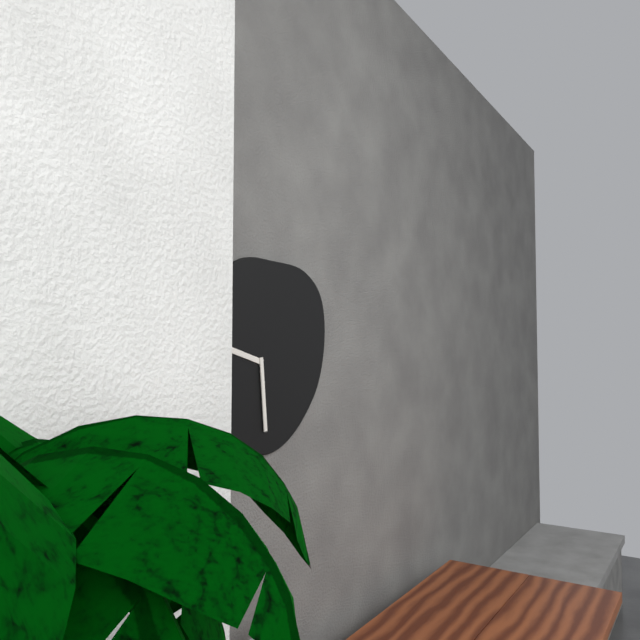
9:29
